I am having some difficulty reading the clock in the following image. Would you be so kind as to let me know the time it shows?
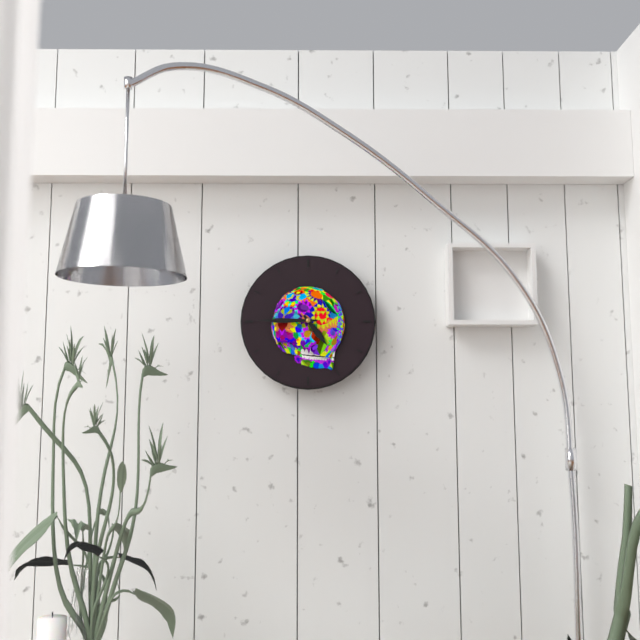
4:45
